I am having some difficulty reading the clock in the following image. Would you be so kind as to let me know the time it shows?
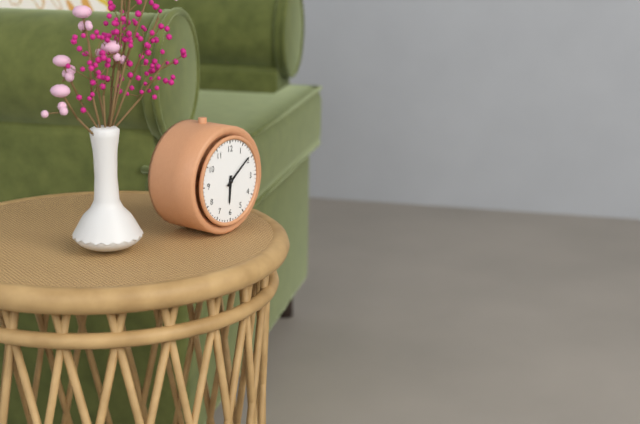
6:09
